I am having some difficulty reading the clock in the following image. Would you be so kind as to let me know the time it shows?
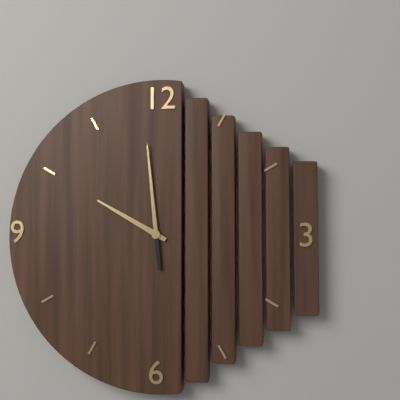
9:59
